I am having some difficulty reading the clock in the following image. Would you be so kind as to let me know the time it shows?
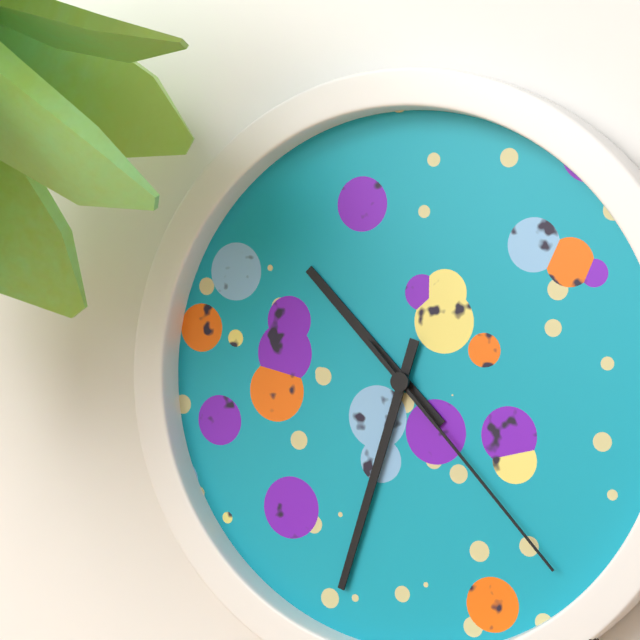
10:33:23
